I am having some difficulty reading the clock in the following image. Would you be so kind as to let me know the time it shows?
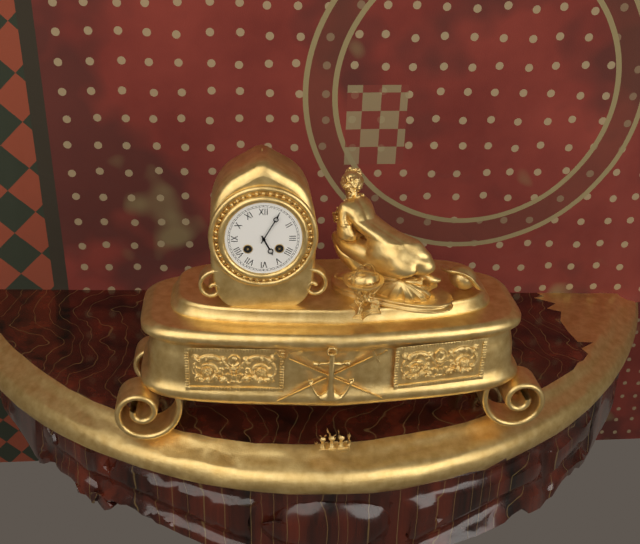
5:05
